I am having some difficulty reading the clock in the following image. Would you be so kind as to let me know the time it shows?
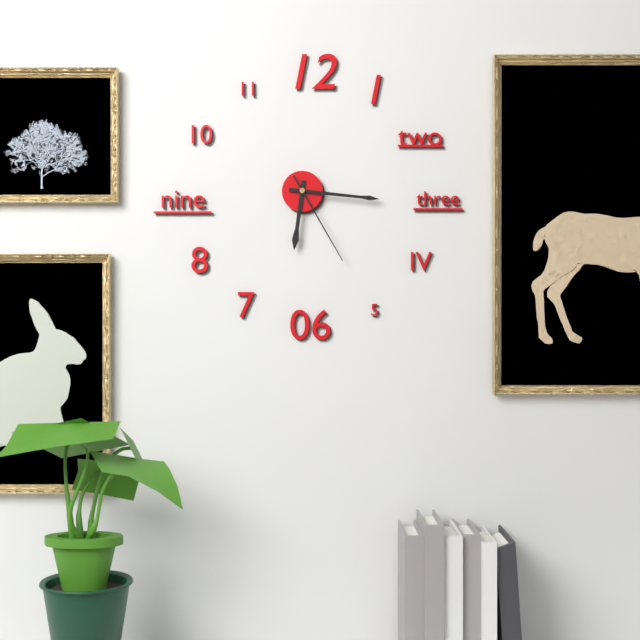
6:16:25
